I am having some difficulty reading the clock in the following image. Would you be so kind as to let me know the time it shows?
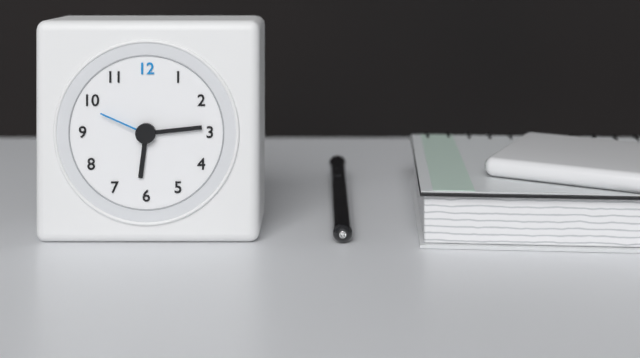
6:14:49
